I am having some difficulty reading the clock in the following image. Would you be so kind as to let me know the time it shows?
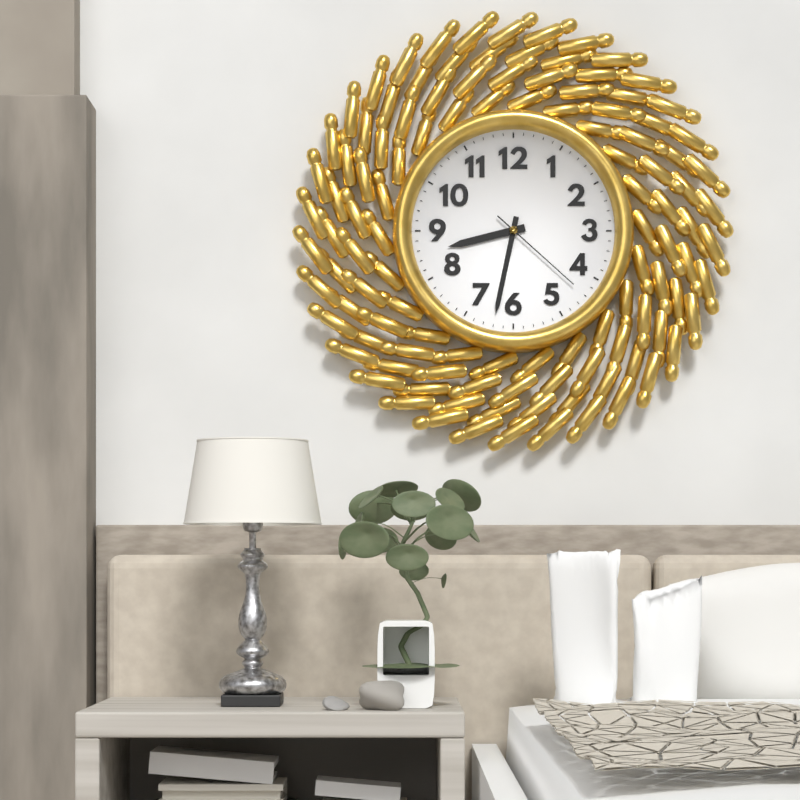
8:32:22
